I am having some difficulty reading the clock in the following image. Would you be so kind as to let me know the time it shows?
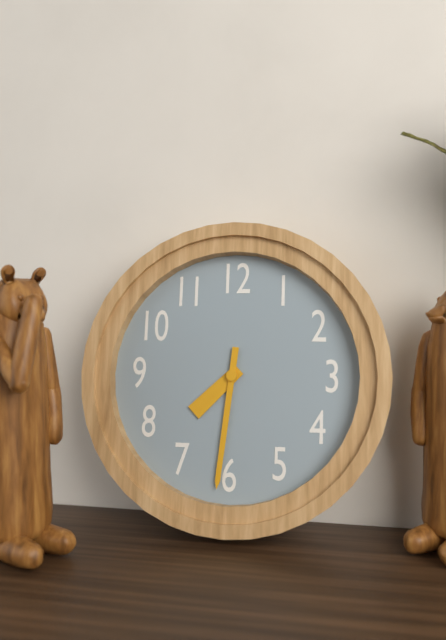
7:31
